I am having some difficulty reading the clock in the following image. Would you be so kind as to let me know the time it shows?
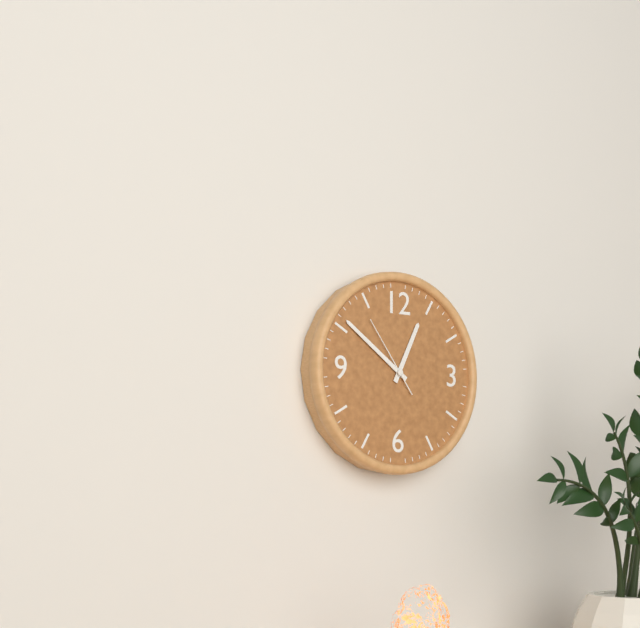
12:51:54
